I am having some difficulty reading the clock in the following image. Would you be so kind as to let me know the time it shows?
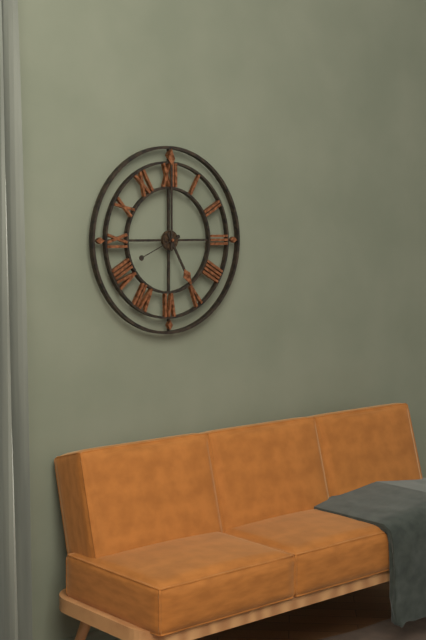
5:00
